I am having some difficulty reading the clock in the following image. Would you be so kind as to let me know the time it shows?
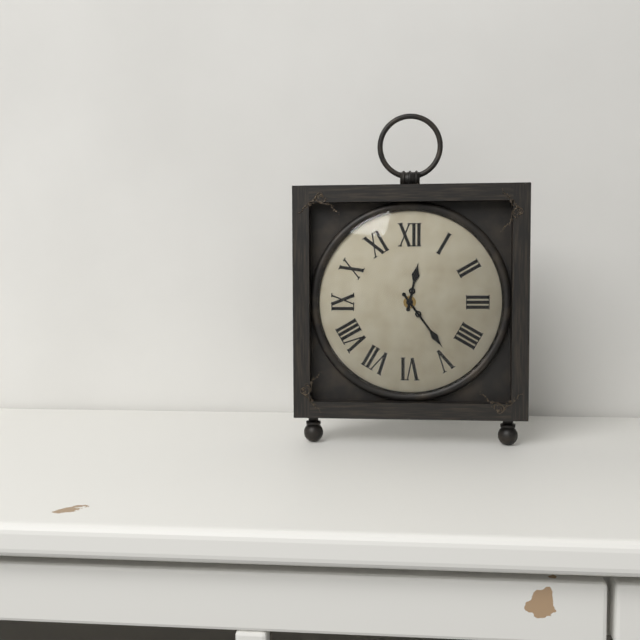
12:24
